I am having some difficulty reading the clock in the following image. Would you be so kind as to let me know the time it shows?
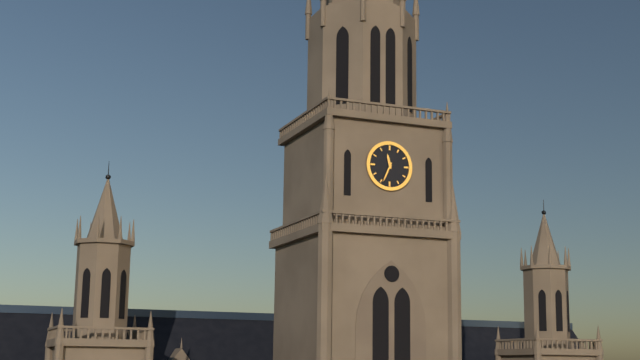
11:34
